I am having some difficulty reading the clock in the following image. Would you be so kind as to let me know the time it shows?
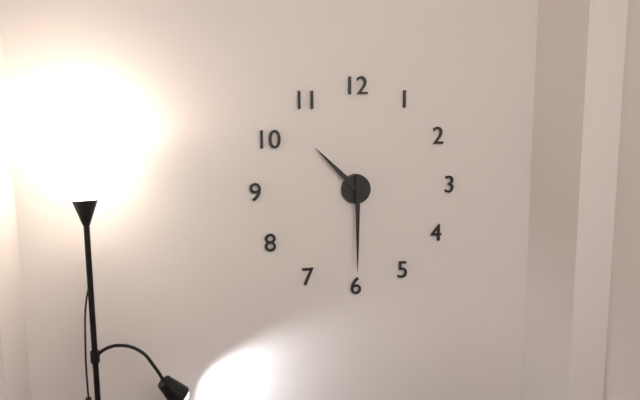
10:30
